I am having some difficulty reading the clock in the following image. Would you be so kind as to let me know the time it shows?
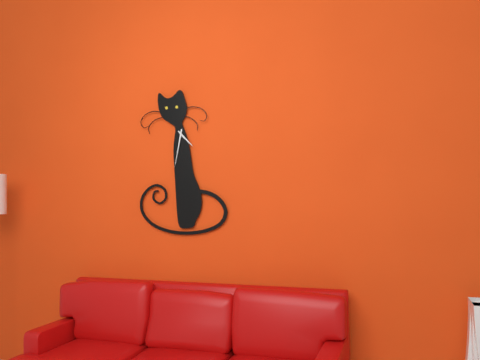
4:32
